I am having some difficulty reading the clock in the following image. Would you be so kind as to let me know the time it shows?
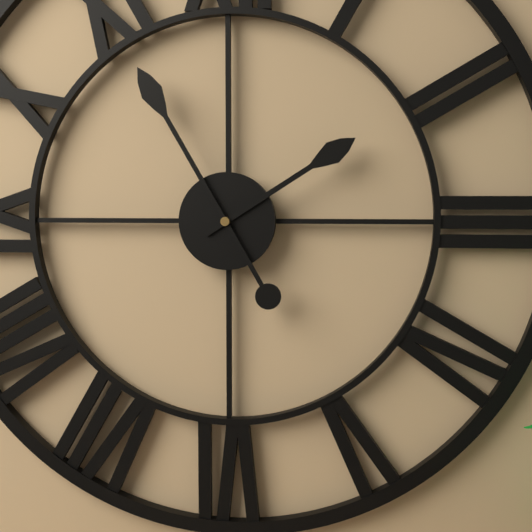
1:55
